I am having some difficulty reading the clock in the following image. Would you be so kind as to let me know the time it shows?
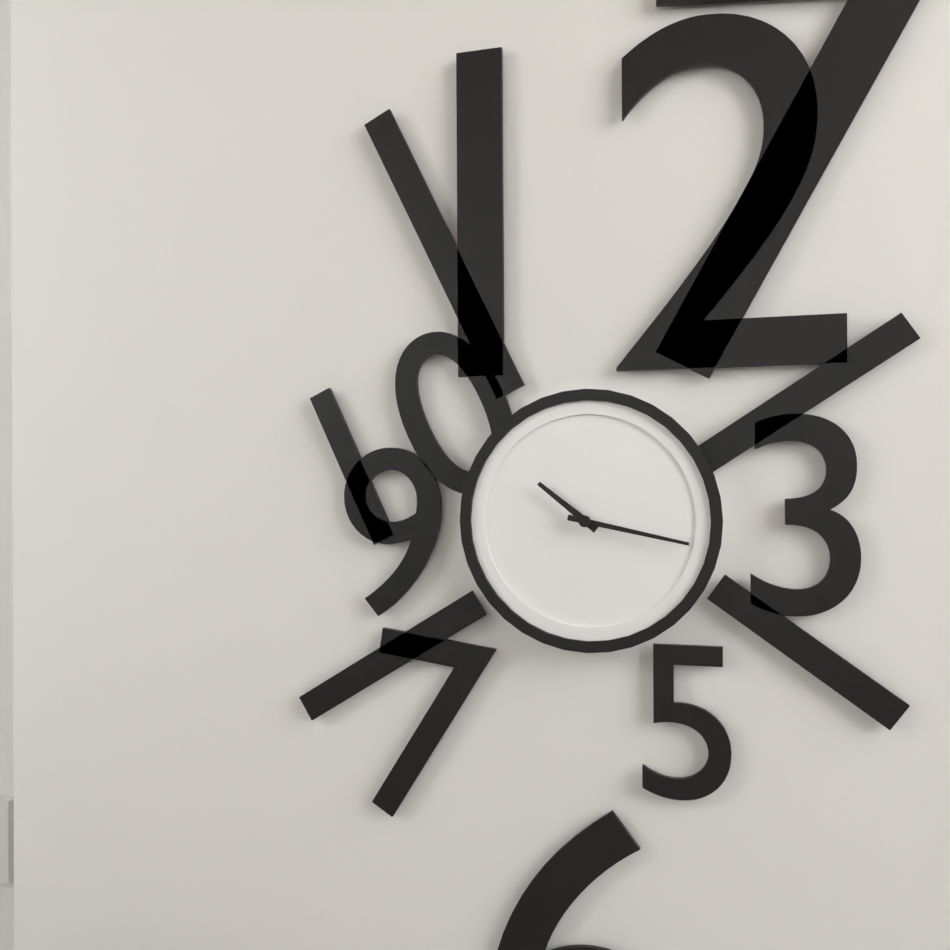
10:17
